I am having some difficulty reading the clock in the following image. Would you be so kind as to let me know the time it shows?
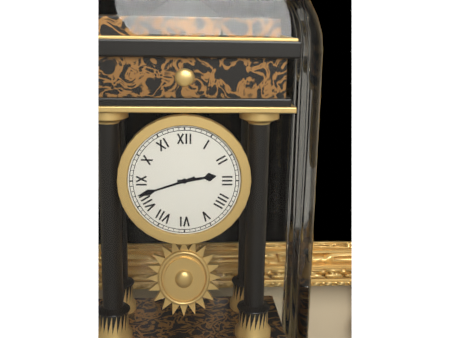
2:42
